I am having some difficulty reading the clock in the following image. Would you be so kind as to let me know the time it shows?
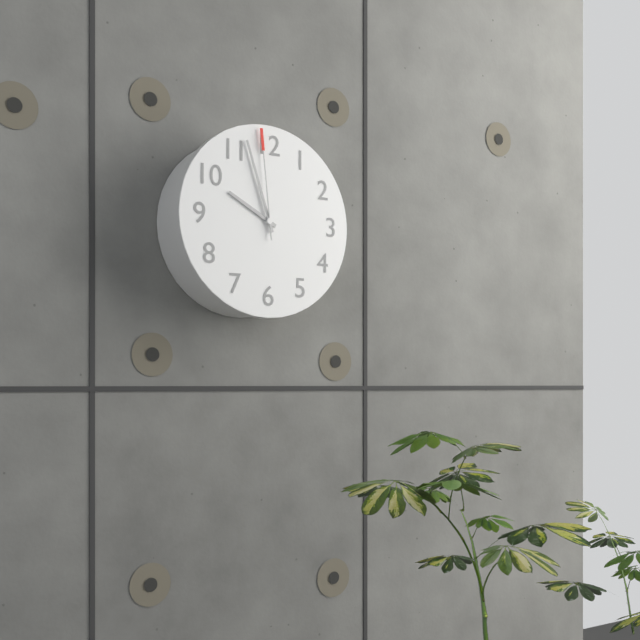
9:57:59
